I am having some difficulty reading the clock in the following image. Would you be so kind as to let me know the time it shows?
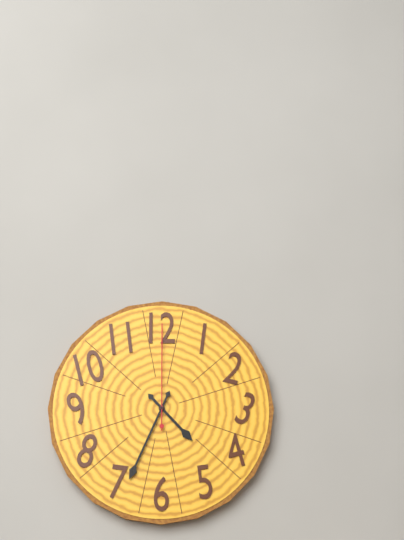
4:34:00
